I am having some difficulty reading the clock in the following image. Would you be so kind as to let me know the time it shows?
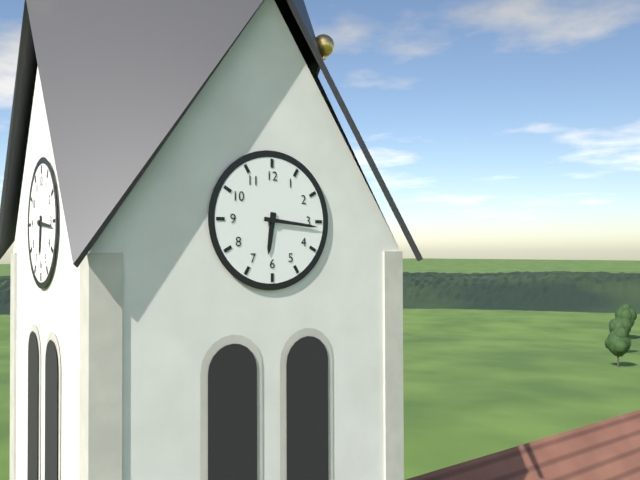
6:16
